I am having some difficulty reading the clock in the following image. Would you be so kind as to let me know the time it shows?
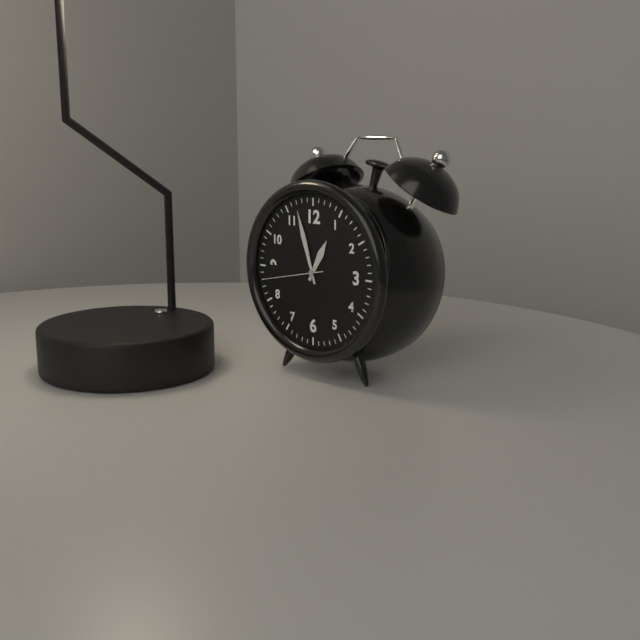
12:57:43
